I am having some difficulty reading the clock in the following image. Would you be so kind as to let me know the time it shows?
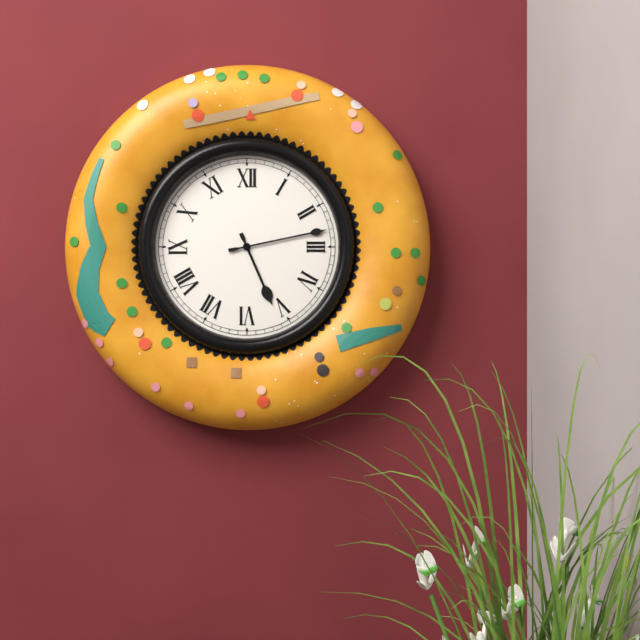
5:13
